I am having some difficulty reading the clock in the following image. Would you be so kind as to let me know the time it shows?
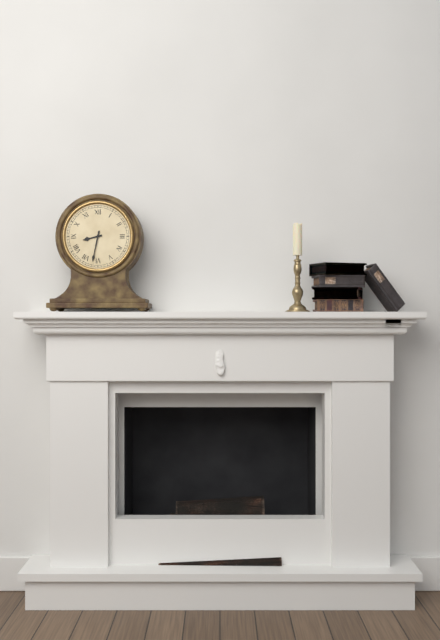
8:32
